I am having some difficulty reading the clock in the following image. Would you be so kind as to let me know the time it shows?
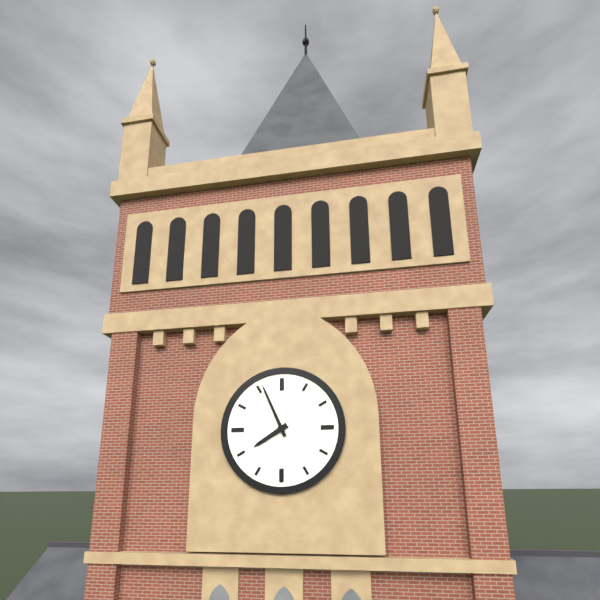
7:56
